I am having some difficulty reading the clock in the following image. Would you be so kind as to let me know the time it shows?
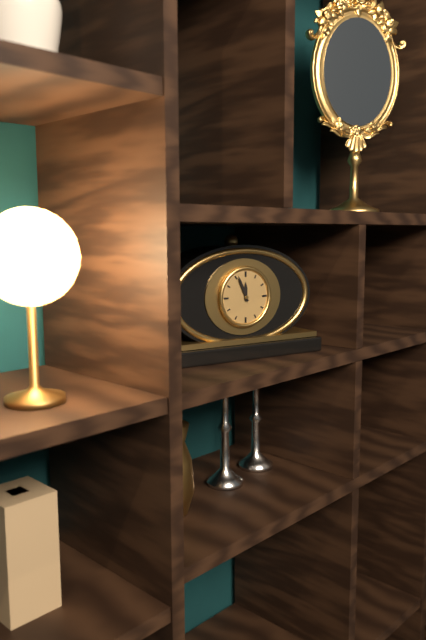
11:56
